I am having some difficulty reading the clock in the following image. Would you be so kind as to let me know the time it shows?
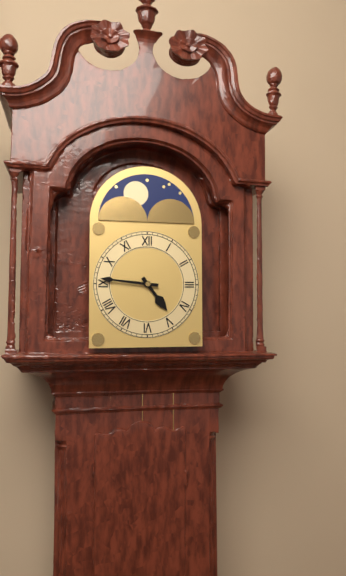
4:46
